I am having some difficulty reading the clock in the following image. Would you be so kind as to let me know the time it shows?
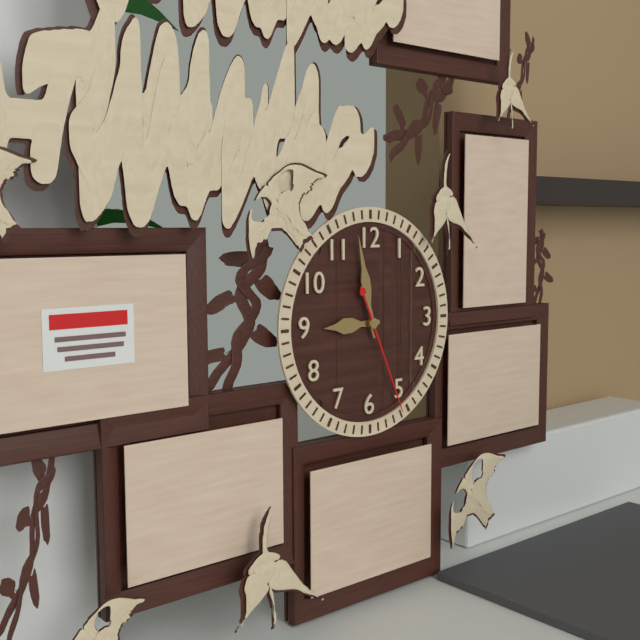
8:58:26
